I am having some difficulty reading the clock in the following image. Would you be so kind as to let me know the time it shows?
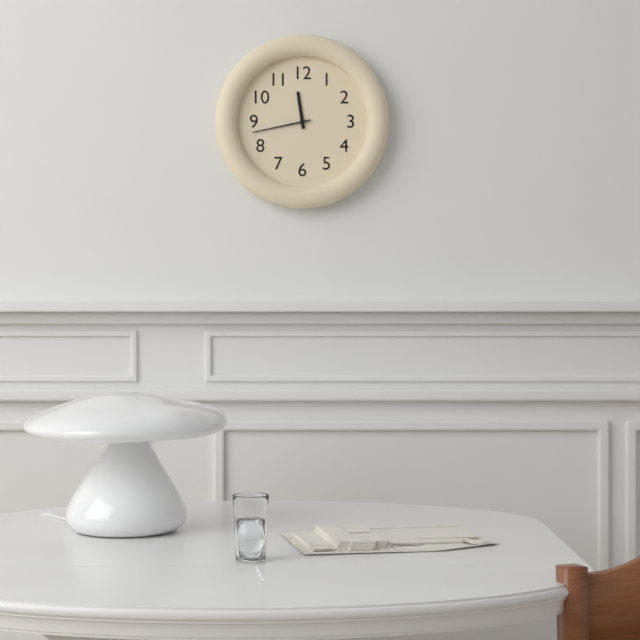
11:43
